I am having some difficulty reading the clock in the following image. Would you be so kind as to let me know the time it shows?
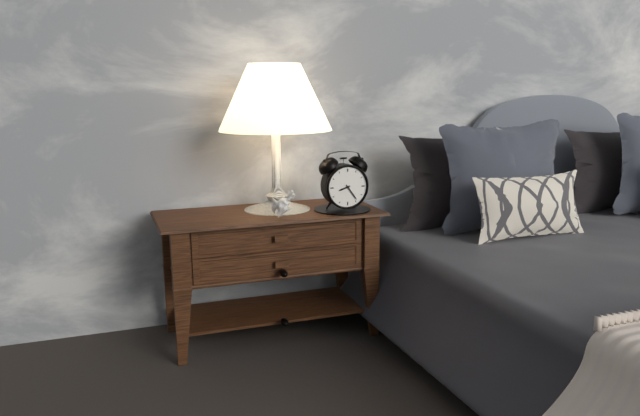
8:24
